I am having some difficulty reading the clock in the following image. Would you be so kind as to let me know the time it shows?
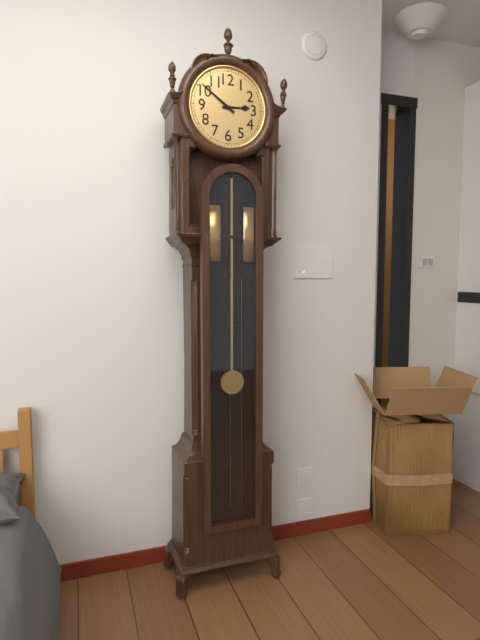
2:51
